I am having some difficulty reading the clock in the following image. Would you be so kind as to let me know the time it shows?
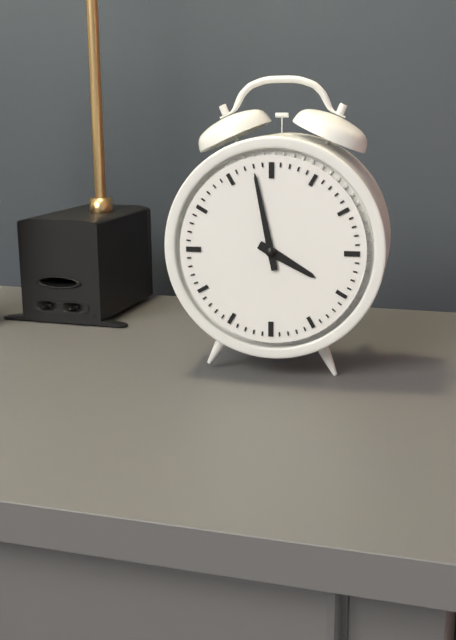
3:58
